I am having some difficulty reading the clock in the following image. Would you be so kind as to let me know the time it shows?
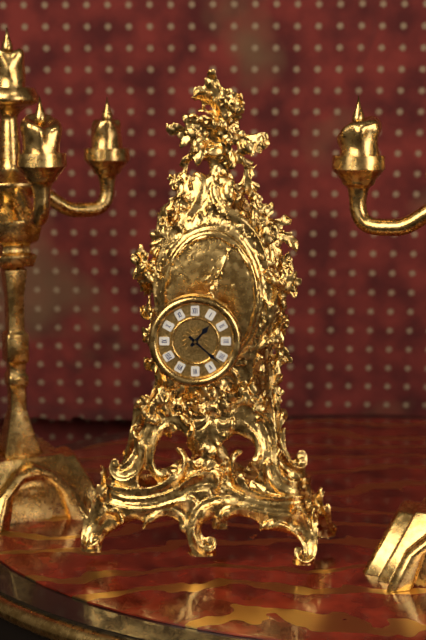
1:22
